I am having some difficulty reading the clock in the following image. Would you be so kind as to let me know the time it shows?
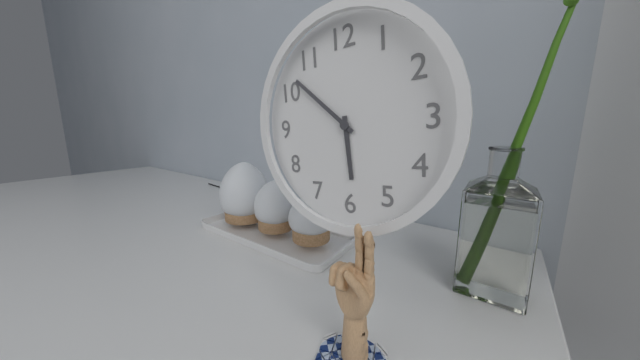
5:52
